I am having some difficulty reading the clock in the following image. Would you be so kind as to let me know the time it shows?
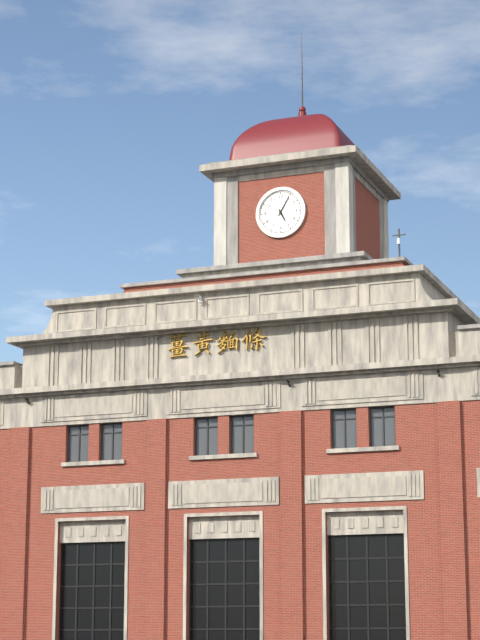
5:05
